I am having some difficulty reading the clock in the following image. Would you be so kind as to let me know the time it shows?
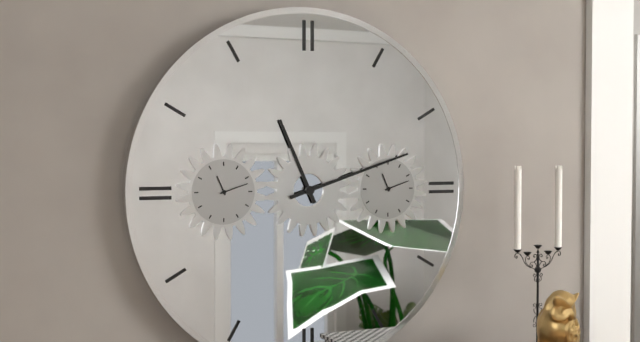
11:12
